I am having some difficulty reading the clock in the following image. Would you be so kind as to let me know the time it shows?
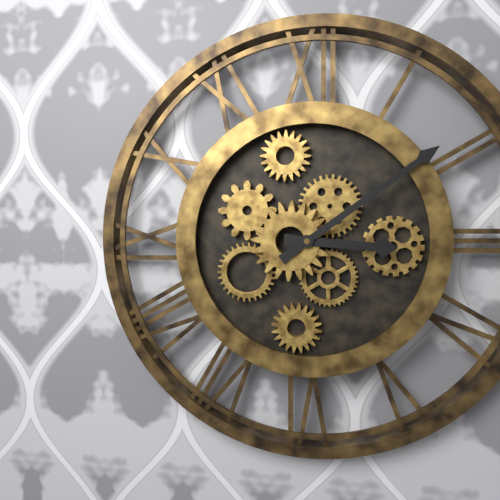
3:09
